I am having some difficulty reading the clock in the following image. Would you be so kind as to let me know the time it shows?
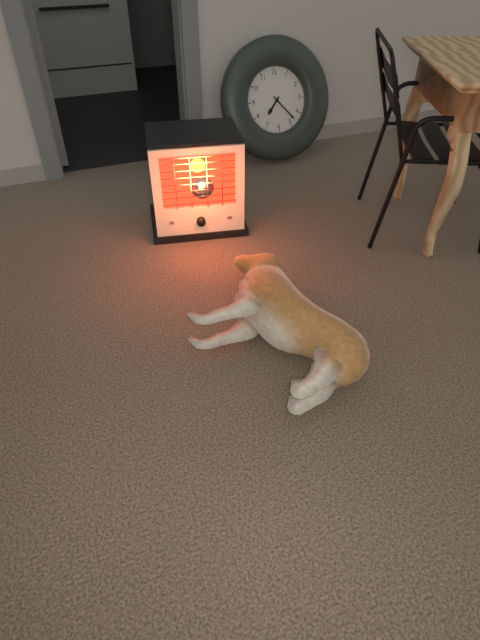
7:23
